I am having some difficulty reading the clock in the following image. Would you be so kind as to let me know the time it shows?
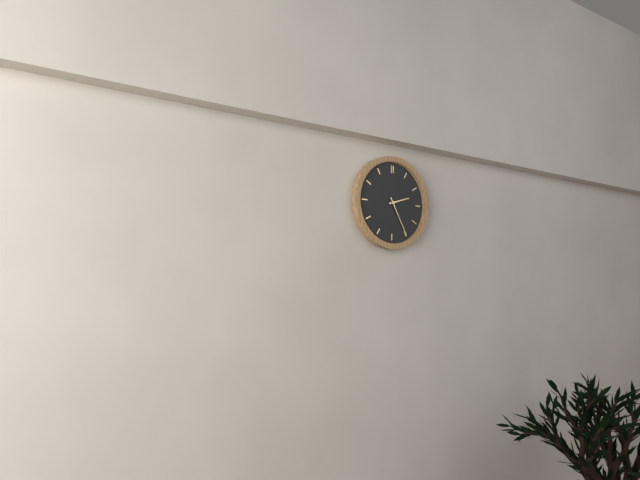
2:25
